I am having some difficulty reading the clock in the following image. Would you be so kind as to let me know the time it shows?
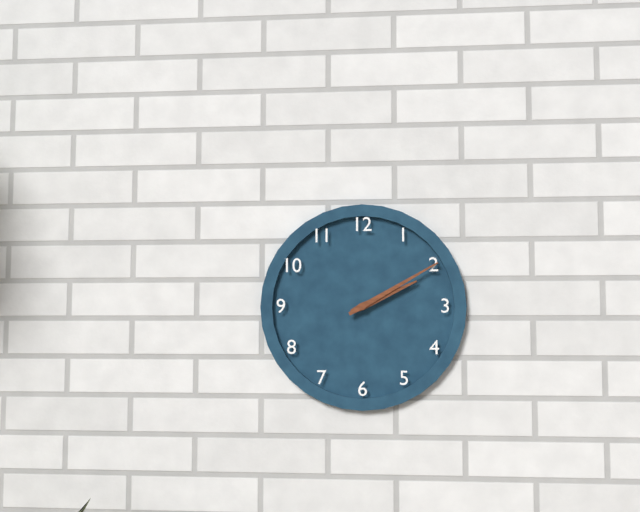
2:10
